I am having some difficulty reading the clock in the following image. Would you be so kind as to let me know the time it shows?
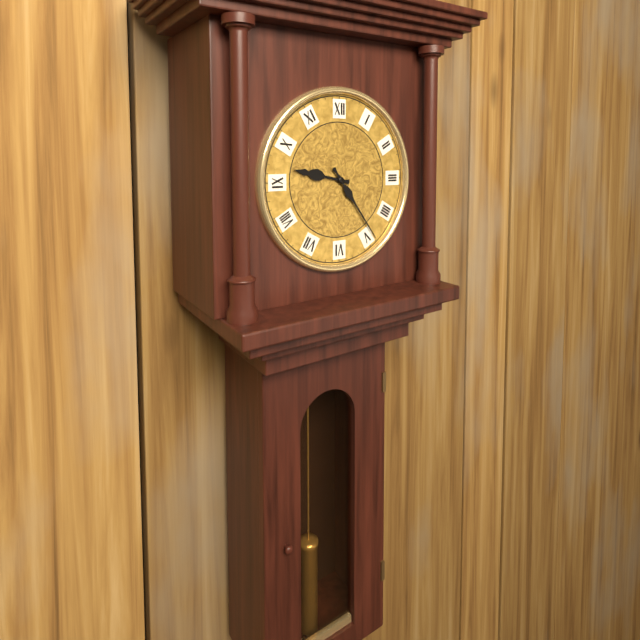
9:24
